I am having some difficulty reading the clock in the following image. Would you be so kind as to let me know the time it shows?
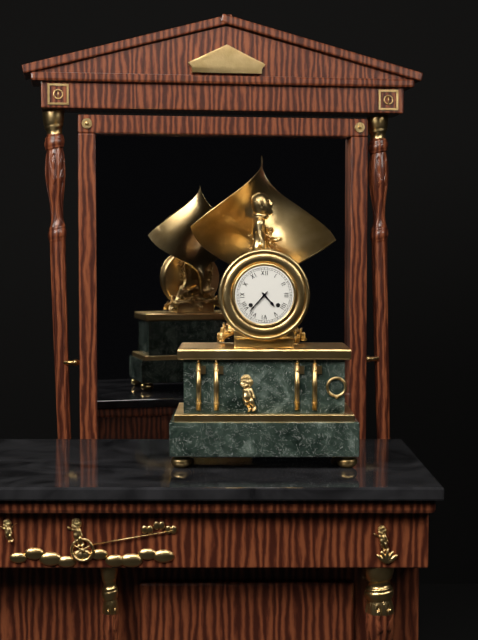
4:37
